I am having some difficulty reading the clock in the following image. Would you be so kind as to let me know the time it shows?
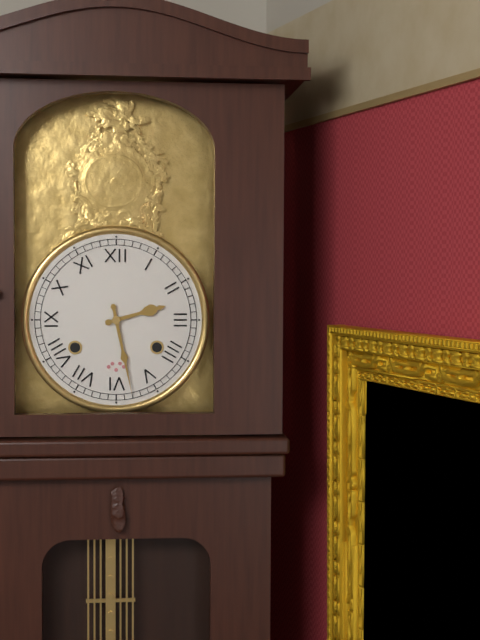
2:28
